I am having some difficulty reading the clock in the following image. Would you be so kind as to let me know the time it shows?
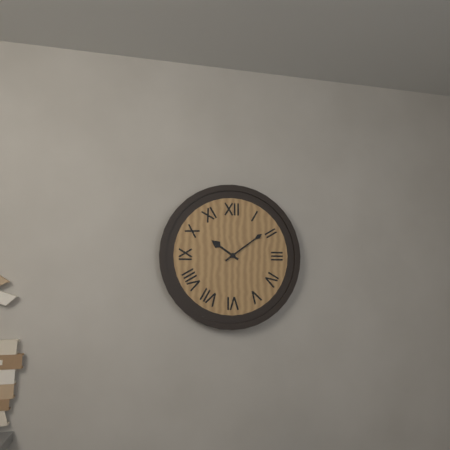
10:09
